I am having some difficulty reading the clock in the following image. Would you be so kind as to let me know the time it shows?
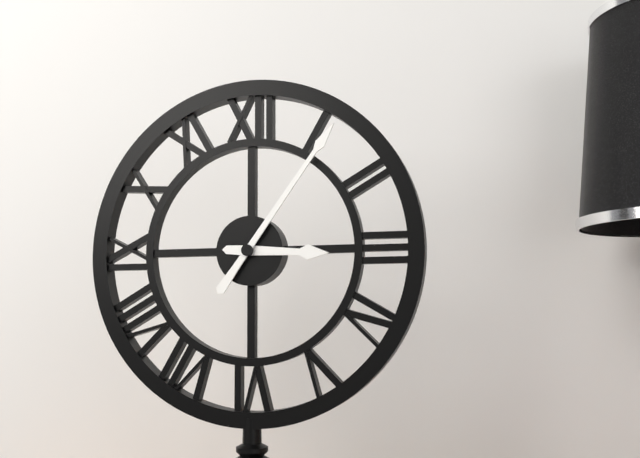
3:06
